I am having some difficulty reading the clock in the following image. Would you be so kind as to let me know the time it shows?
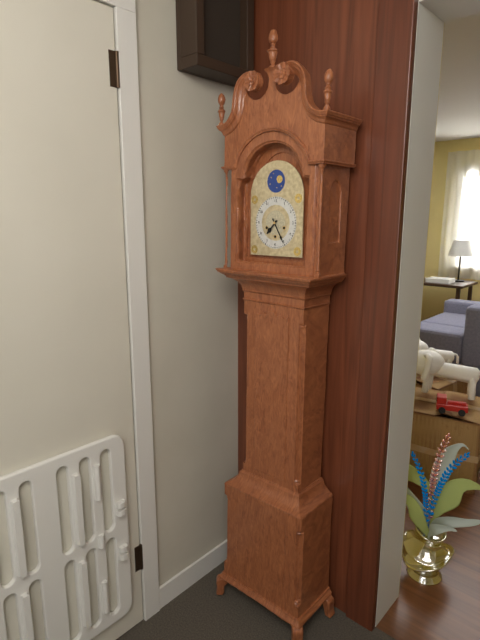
7:25
